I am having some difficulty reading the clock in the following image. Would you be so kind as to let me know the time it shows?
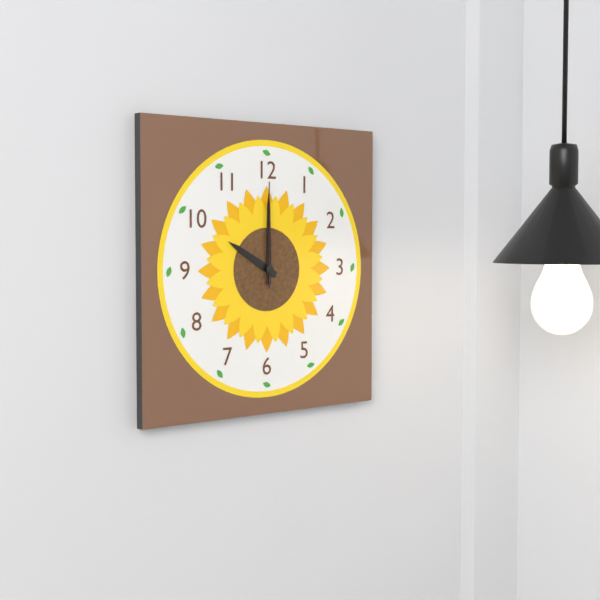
10:00:00
